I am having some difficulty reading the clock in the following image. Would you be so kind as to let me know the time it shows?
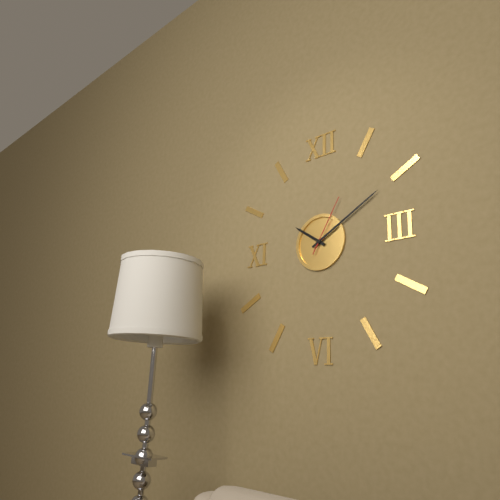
10:10:05
